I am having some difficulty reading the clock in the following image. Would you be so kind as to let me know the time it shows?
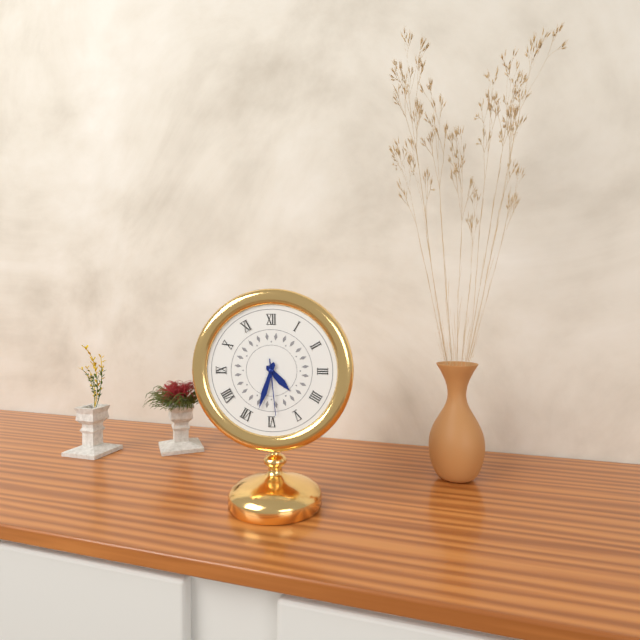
4:33:29
